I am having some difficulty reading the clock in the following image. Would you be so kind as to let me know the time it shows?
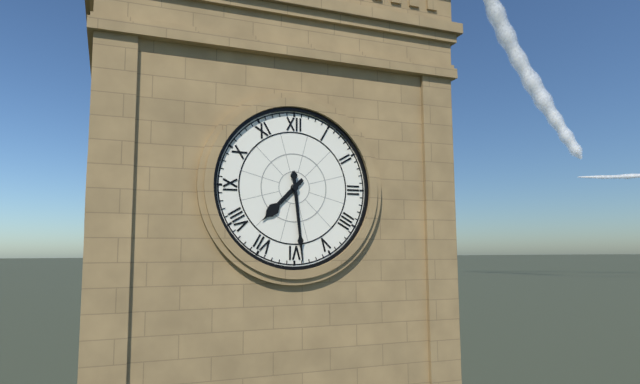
7:29
